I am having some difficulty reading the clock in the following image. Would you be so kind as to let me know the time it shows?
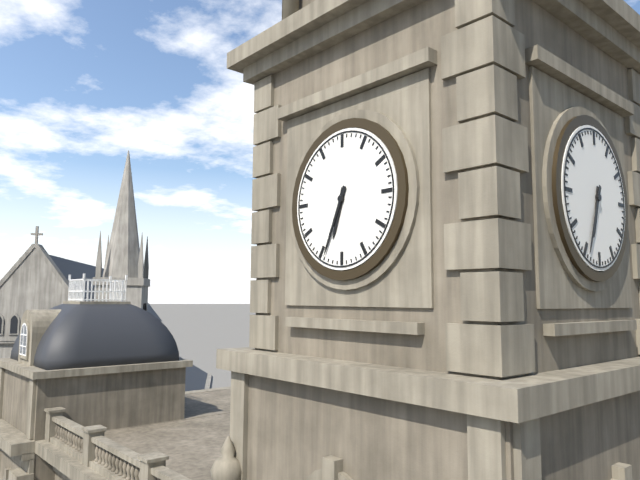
6:34
